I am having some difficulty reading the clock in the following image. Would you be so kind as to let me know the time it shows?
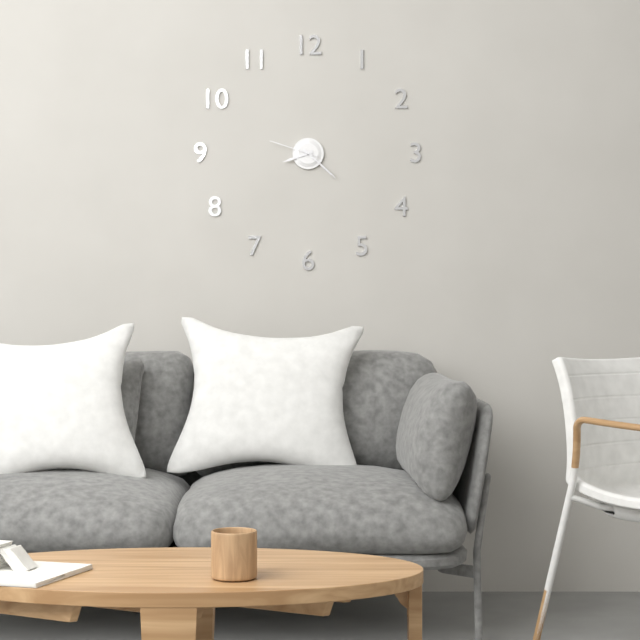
8:22:48
